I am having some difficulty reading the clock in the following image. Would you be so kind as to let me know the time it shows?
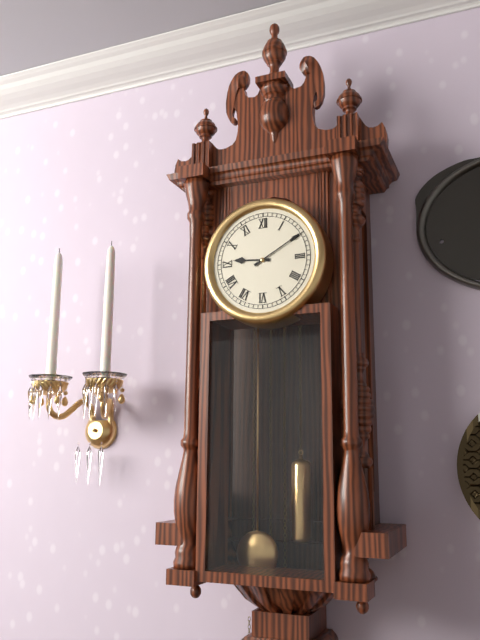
9:10
